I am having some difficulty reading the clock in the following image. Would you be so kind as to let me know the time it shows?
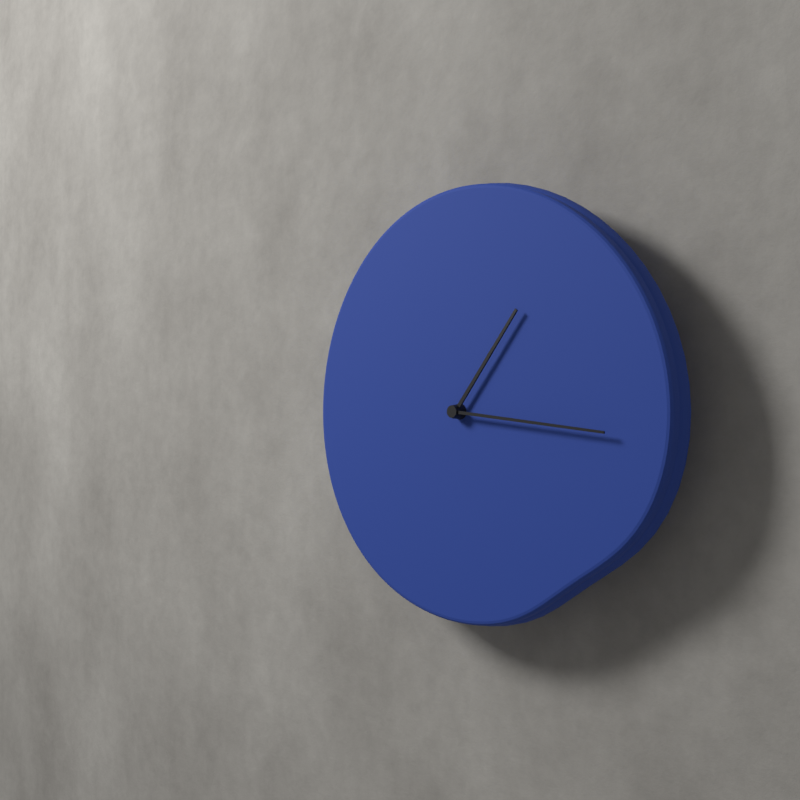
1:16
